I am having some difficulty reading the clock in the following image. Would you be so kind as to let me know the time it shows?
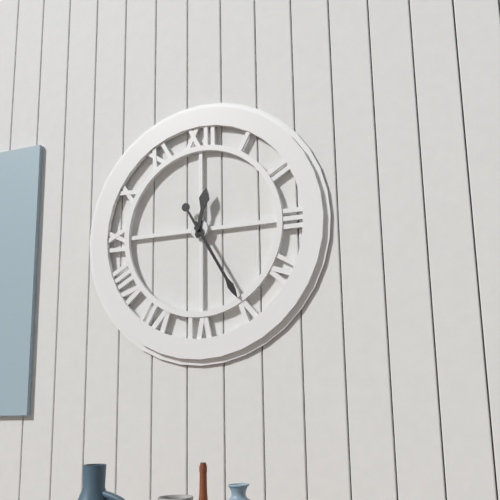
12:25
